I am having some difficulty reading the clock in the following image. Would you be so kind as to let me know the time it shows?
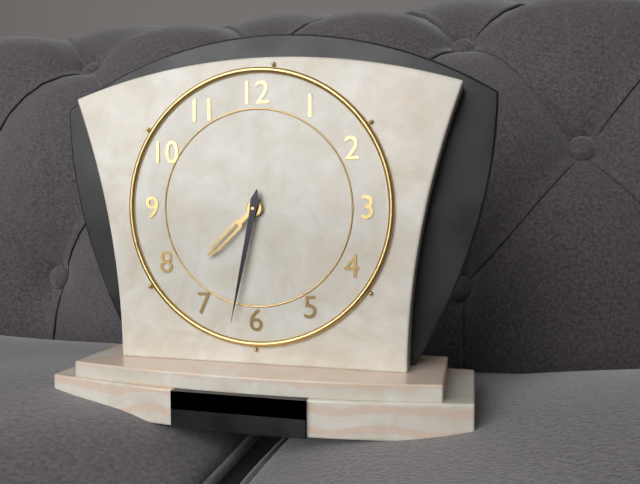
7:32
